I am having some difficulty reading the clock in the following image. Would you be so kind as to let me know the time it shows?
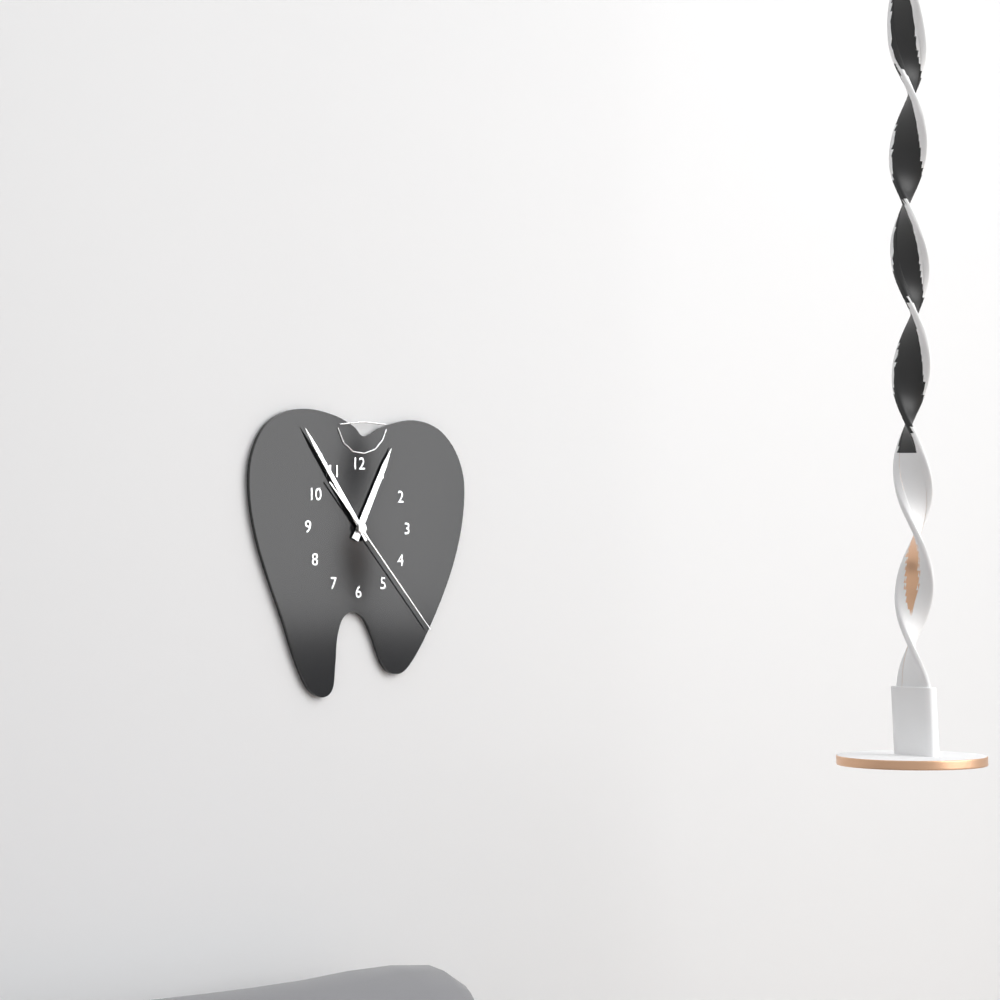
12:54:23
